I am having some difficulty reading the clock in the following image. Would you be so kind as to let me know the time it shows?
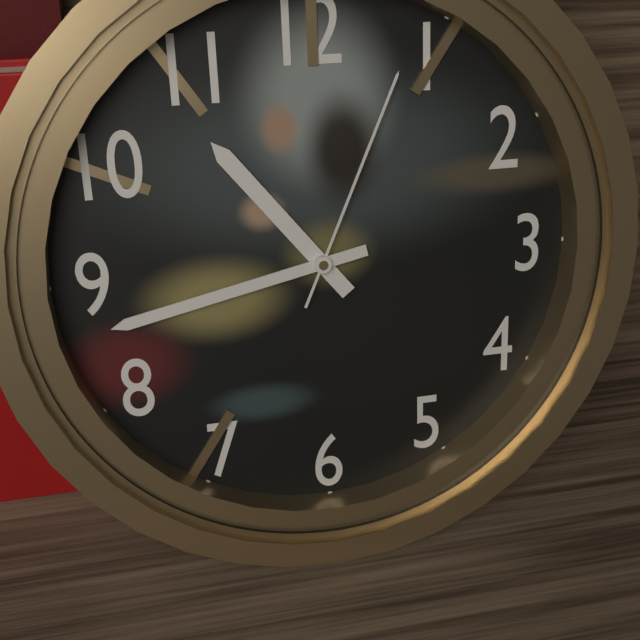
10:43:04
